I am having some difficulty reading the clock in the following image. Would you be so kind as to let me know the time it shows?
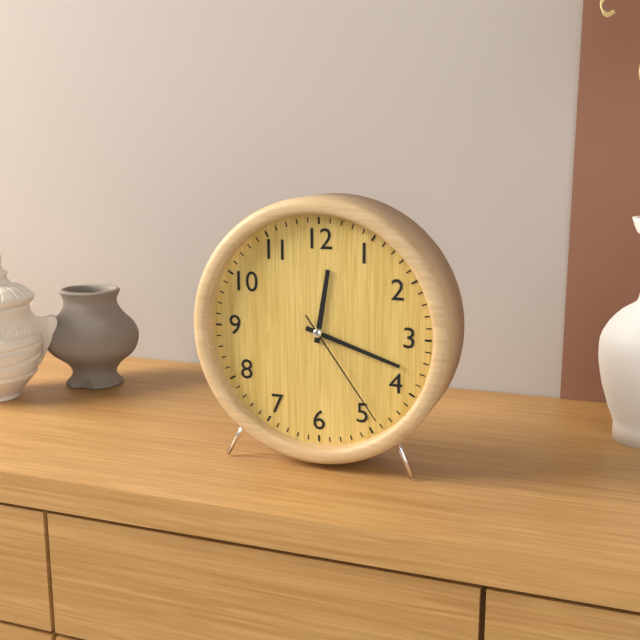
12:18:24
